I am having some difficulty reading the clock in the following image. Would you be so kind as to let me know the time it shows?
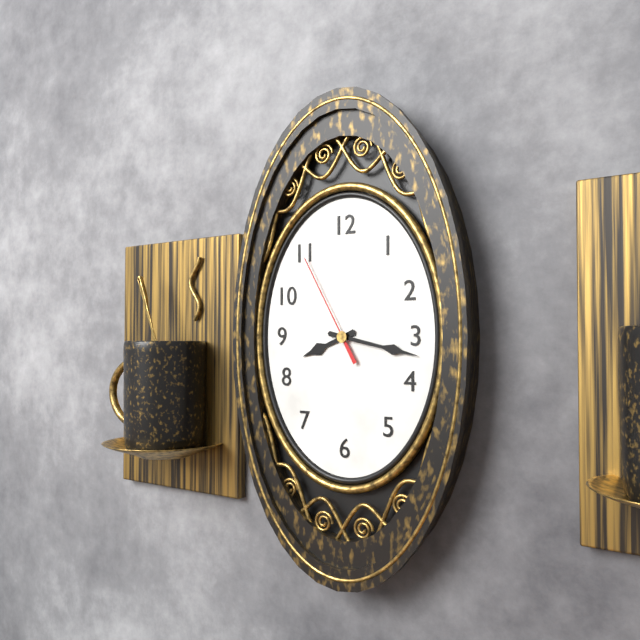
8:17:55
